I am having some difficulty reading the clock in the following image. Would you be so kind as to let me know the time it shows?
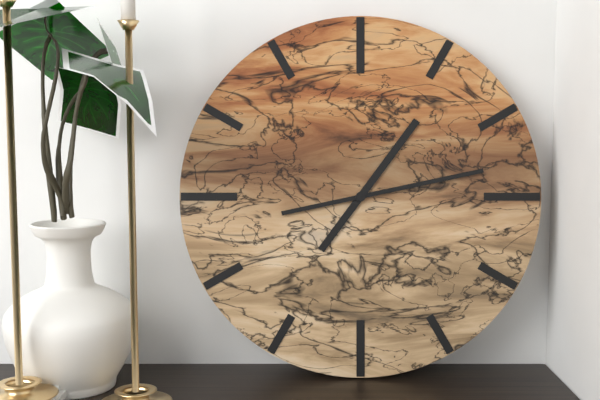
1:13
